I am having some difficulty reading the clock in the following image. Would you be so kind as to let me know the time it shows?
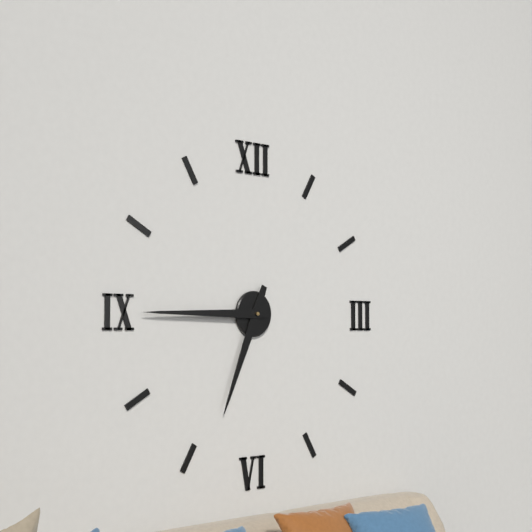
6:45
